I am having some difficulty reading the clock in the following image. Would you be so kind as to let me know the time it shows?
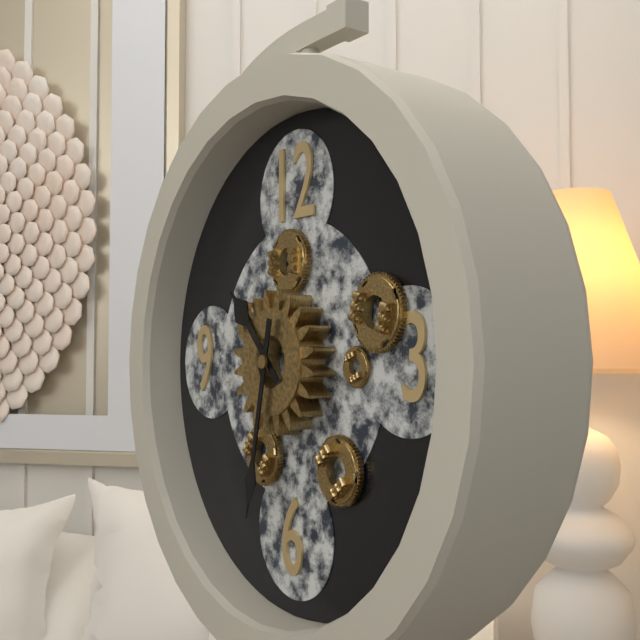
10:32
